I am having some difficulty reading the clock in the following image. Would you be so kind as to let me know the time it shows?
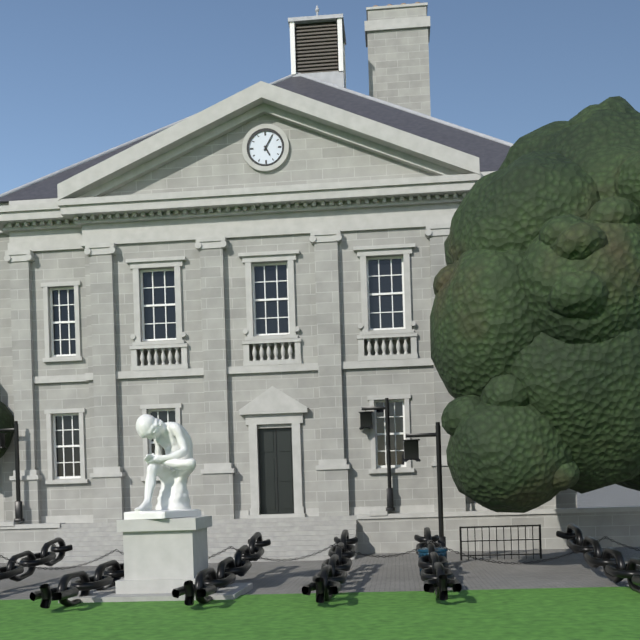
5:05
